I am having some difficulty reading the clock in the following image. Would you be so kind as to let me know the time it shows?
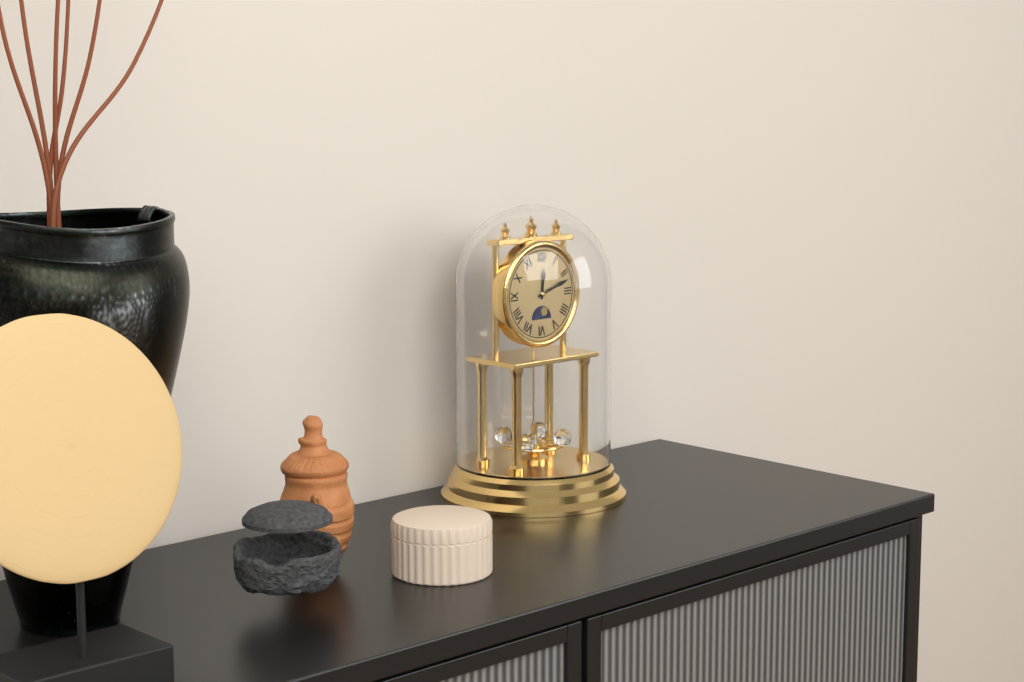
12:12
